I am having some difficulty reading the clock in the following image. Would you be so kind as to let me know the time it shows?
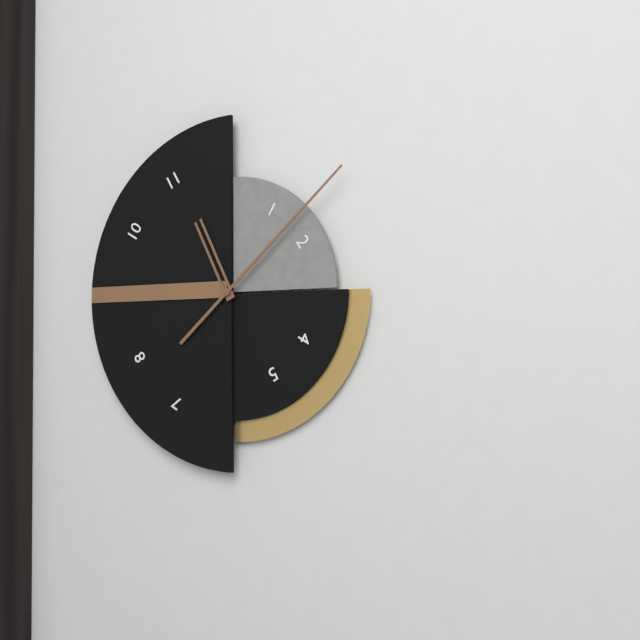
11:08
